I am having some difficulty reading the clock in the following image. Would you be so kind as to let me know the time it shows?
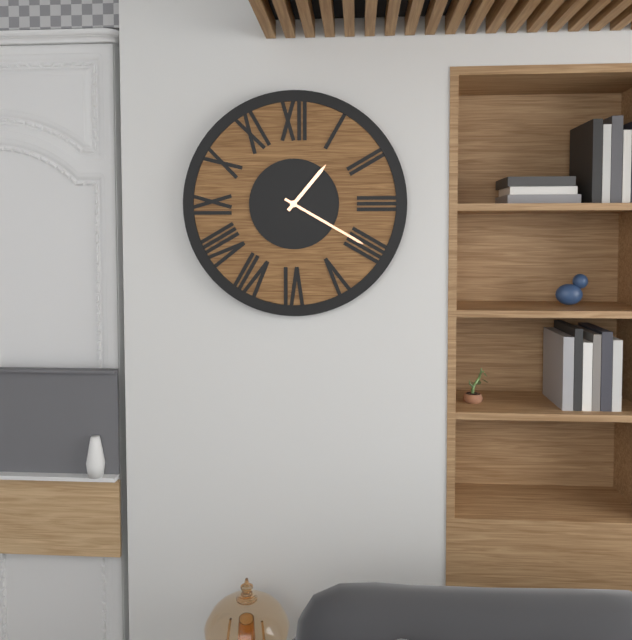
1:20
